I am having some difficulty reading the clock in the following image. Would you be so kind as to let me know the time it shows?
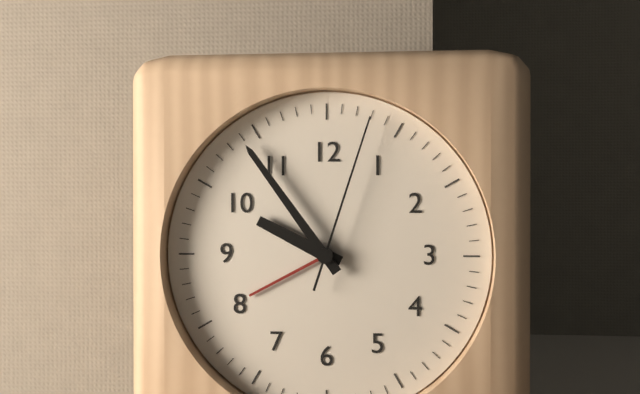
9:54:03
